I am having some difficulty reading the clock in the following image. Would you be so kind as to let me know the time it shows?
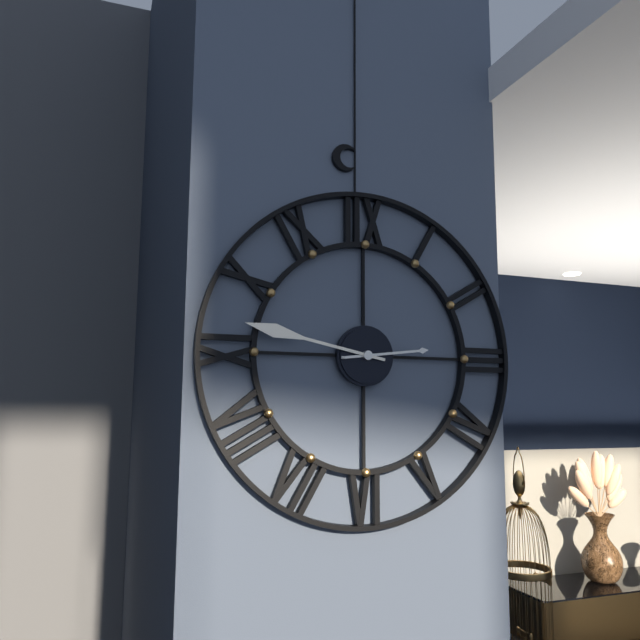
2:47
